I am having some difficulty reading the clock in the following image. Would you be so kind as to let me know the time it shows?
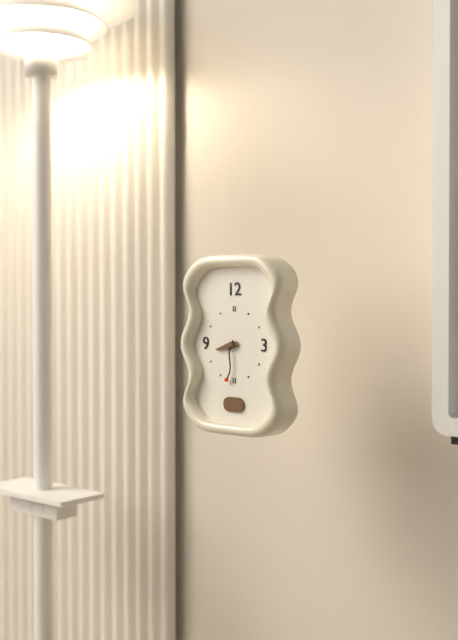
8:32
